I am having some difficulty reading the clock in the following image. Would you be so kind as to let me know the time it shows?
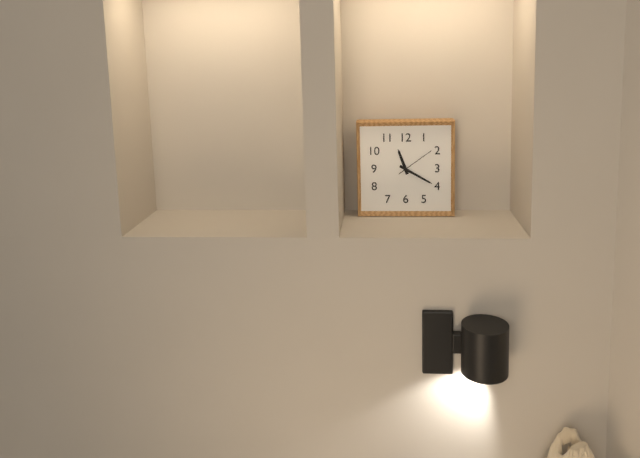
11:20
